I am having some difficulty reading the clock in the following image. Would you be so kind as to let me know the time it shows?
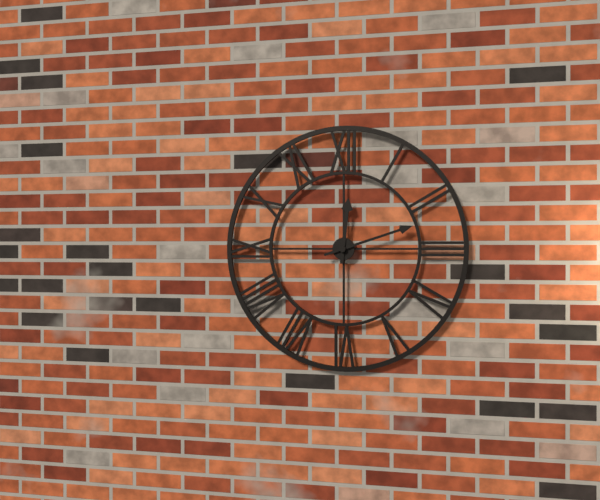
12:12
